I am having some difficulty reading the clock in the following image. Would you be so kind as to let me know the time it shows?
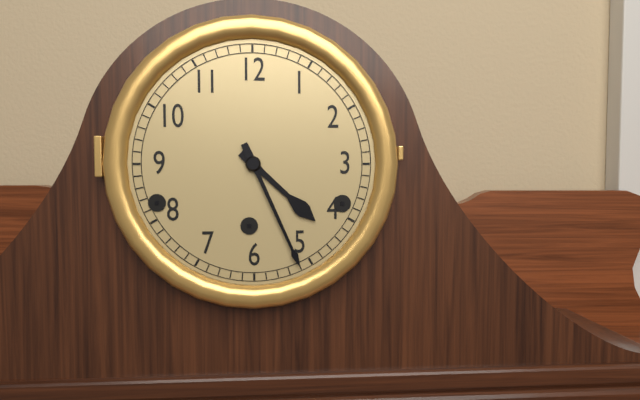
4:26
